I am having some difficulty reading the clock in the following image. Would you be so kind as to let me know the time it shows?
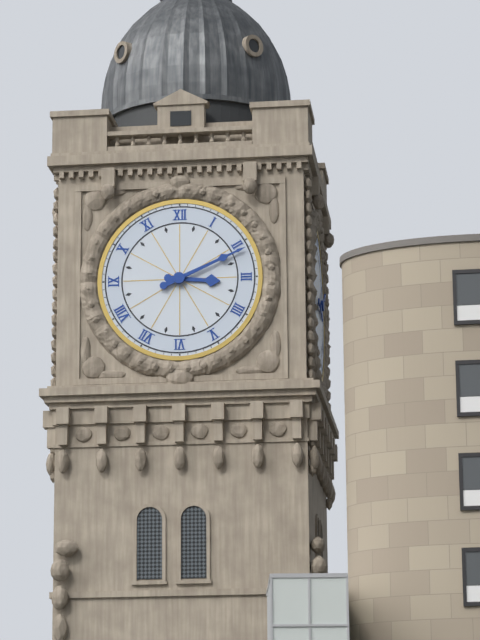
3:11
